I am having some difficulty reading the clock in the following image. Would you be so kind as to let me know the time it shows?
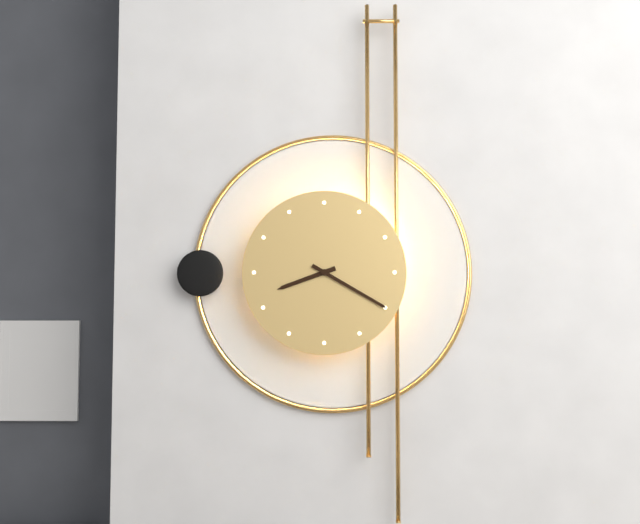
8:20
